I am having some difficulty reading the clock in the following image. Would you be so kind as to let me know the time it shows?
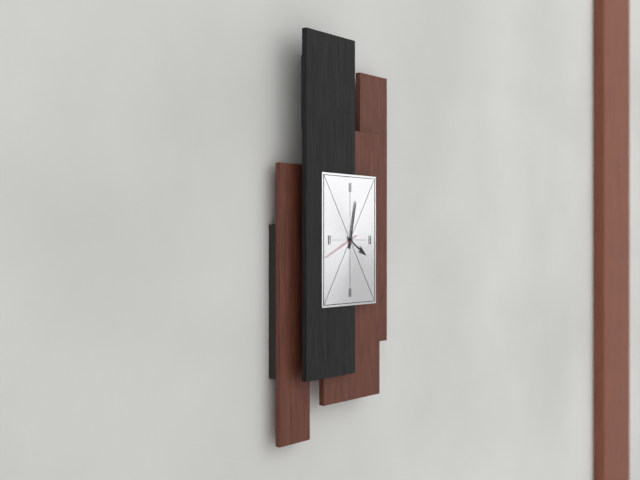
4:02
